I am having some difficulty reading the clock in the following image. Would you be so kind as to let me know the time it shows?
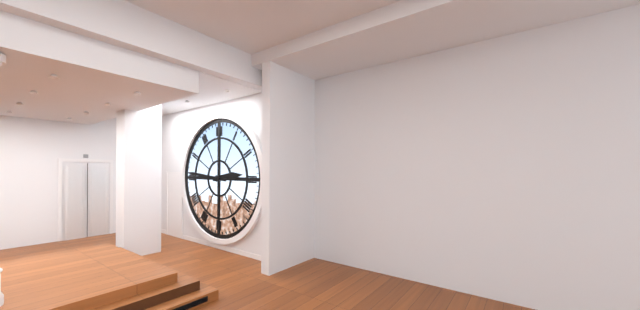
2:46
